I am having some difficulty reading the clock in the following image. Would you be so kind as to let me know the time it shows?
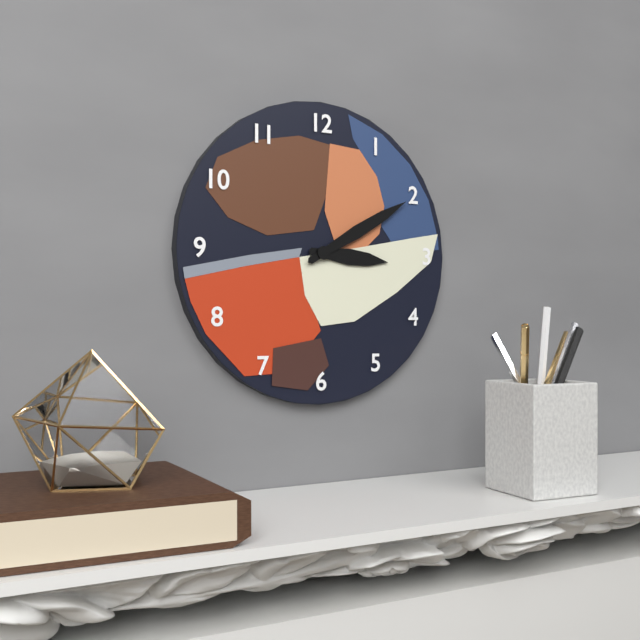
3:10
